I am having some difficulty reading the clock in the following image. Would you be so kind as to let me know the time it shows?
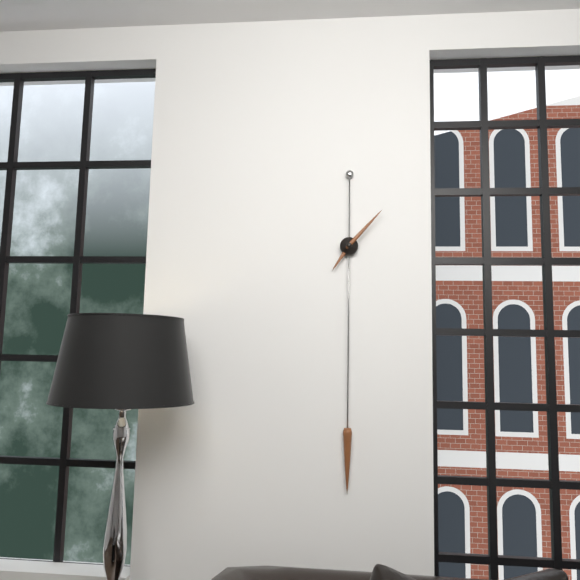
7:07
